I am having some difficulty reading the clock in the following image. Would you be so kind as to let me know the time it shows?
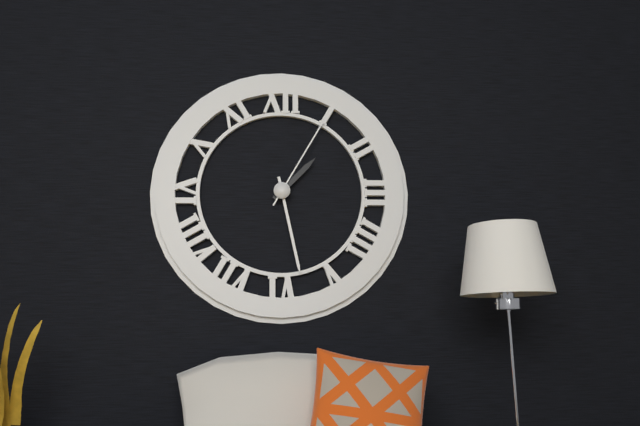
1:28:05
